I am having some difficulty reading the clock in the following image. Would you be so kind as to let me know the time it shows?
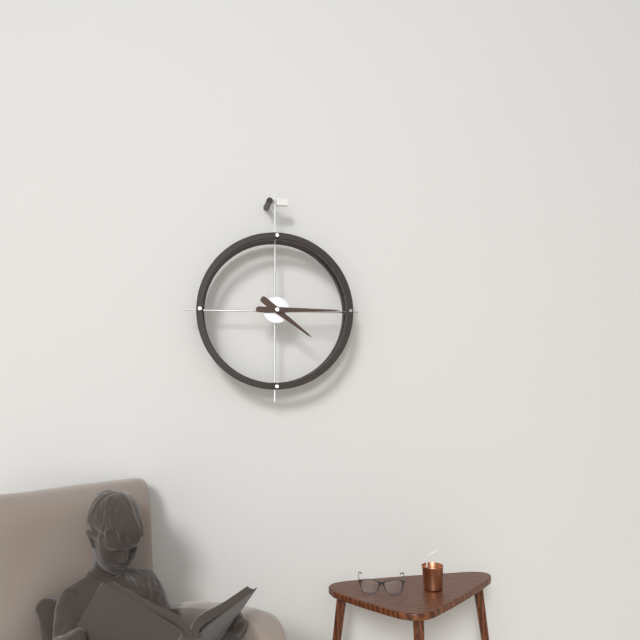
4:15
